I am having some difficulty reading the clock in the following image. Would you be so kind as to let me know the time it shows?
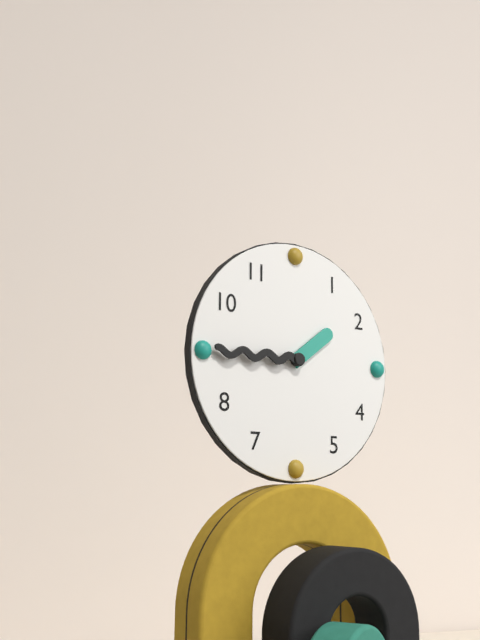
1:45
